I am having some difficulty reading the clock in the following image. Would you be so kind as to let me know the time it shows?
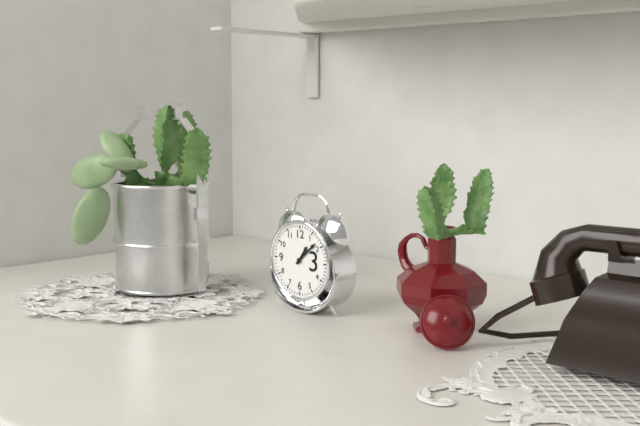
1:08
